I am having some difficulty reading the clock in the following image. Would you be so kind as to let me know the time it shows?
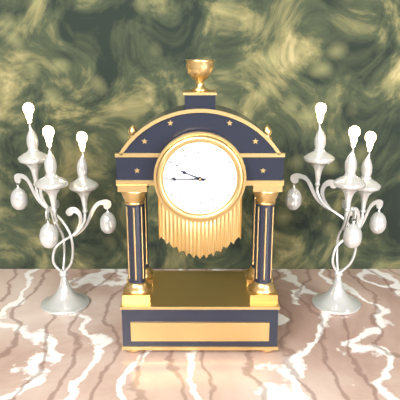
9:45
